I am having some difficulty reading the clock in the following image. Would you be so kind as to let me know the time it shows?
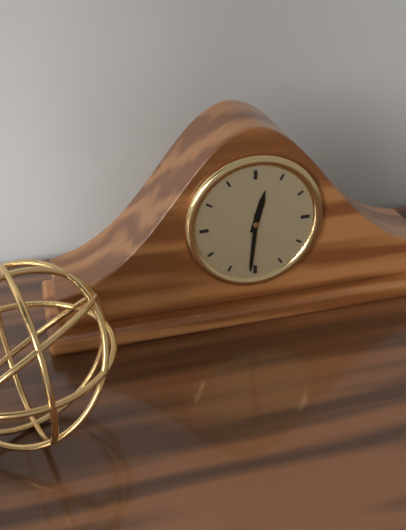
12:31
